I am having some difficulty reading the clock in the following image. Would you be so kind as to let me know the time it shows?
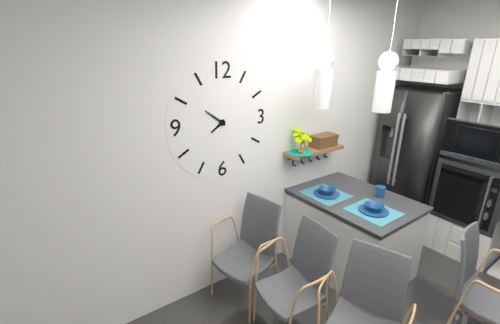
7:51
